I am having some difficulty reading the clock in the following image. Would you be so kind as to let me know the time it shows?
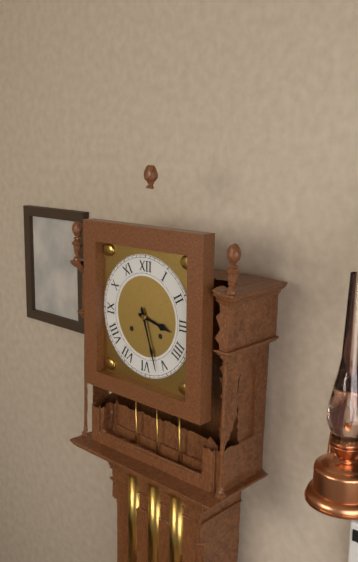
3:27
